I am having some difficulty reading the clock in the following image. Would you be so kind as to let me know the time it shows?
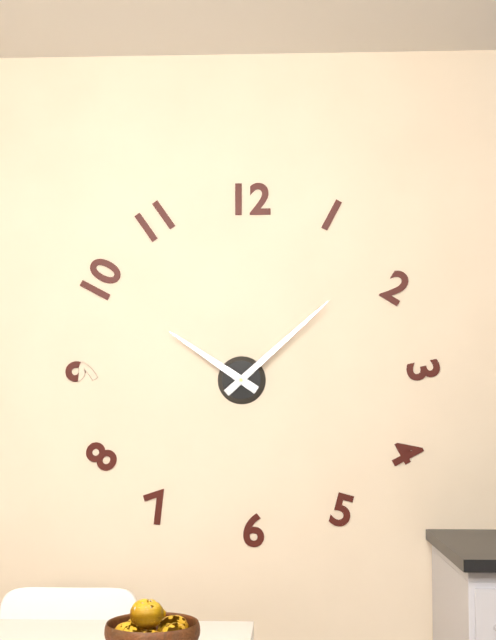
10:08
